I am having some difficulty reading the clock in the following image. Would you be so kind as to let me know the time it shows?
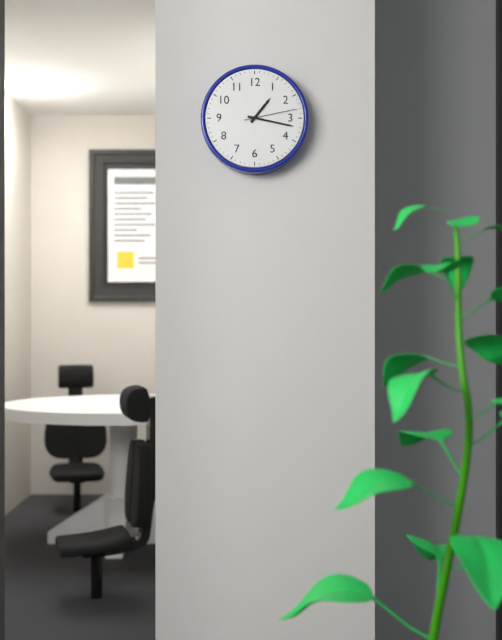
1:17:13
